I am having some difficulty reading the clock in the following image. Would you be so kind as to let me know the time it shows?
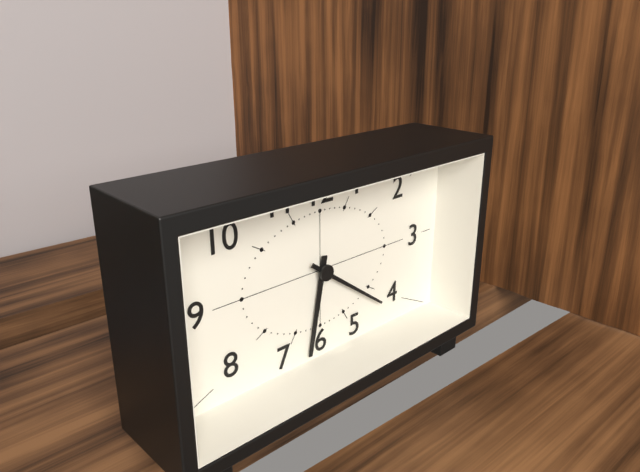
6:21
